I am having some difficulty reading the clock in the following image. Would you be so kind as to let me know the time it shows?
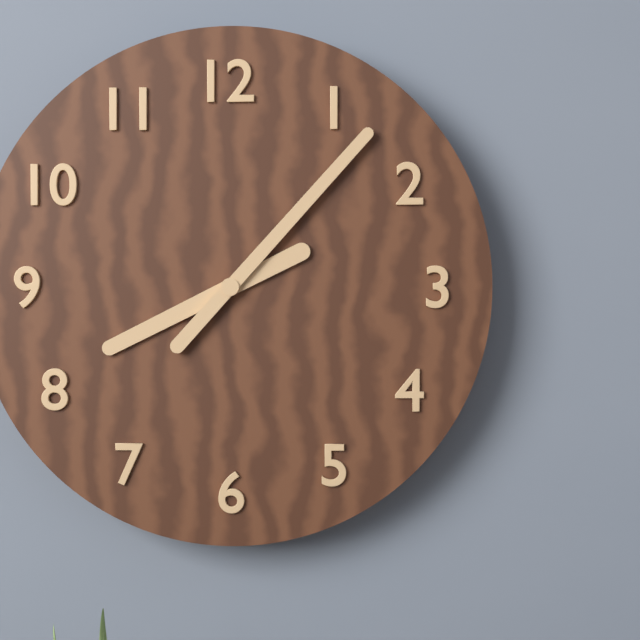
8:07
